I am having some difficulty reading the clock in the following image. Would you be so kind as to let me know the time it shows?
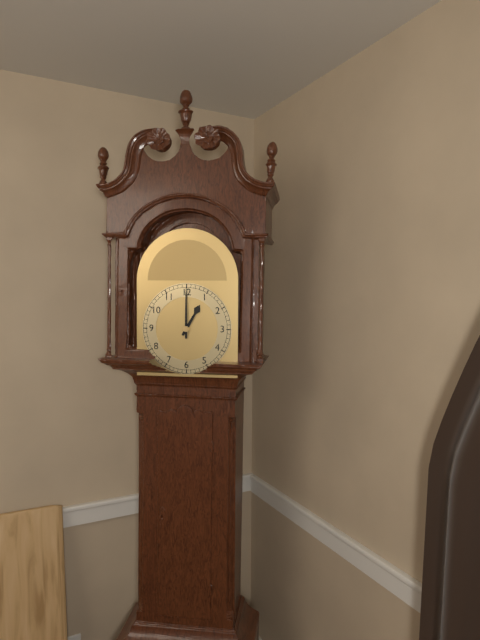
1:00
